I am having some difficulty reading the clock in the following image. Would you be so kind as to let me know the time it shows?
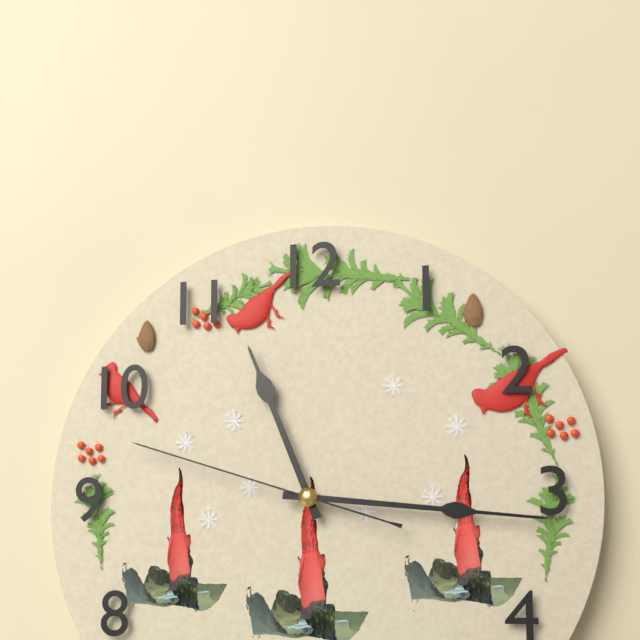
11:16:48
